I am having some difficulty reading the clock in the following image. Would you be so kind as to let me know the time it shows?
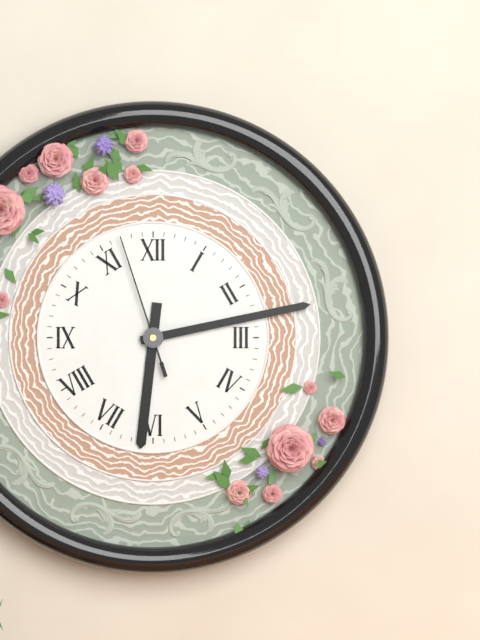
6:13:57
